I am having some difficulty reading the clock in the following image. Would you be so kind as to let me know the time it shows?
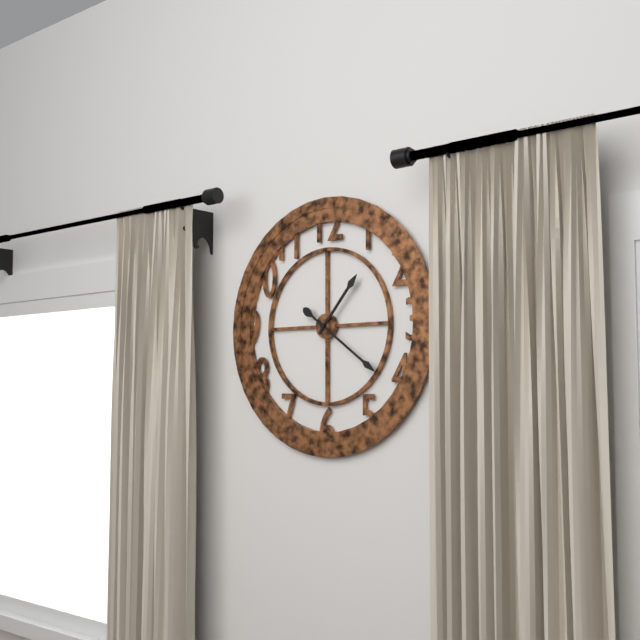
1:21
